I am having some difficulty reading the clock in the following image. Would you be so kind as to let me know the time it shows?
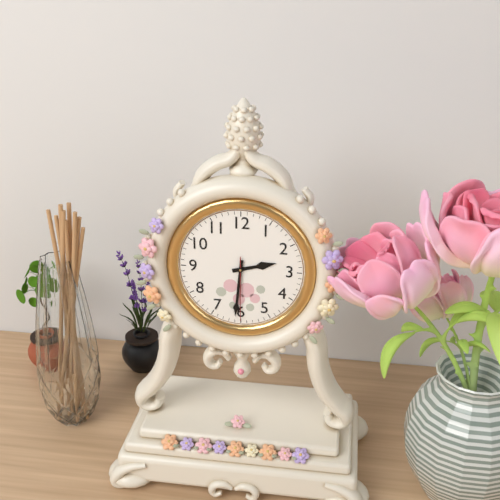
2:31:30
